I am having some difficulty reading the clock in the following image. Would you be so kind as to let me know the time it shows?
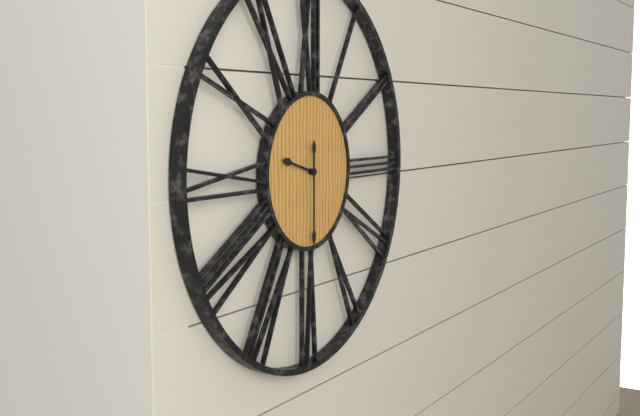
9:30
